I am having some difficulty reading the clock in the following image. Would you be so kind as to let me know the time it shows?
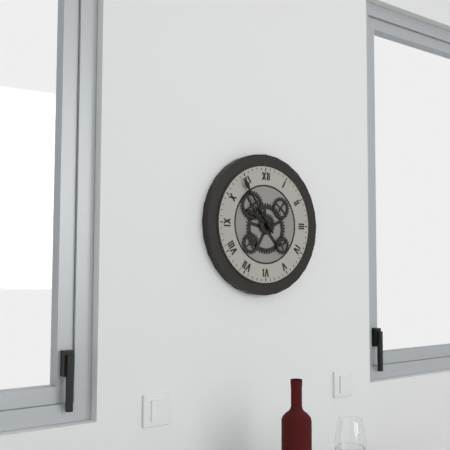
9:54
